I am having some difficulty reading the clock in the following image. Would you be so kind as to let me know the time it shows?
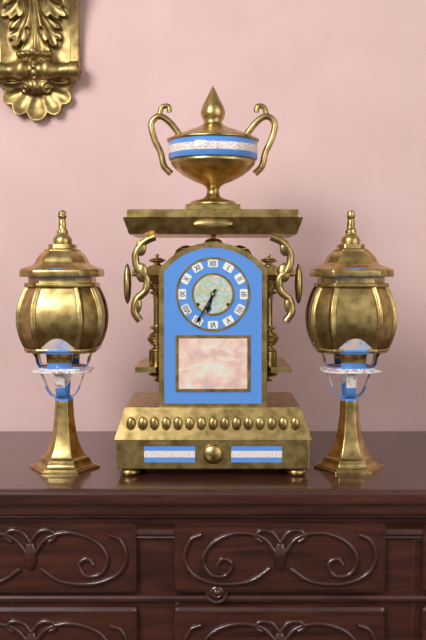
6:35
